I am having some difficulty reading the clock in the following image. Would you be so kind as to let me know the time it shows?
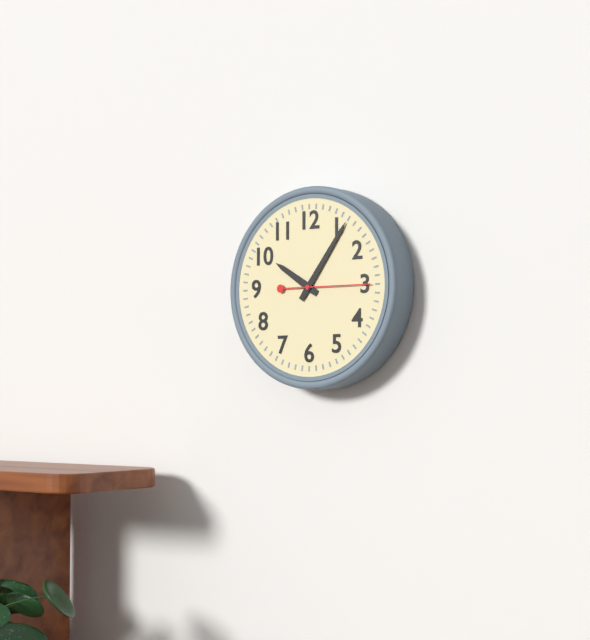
10:06:15
